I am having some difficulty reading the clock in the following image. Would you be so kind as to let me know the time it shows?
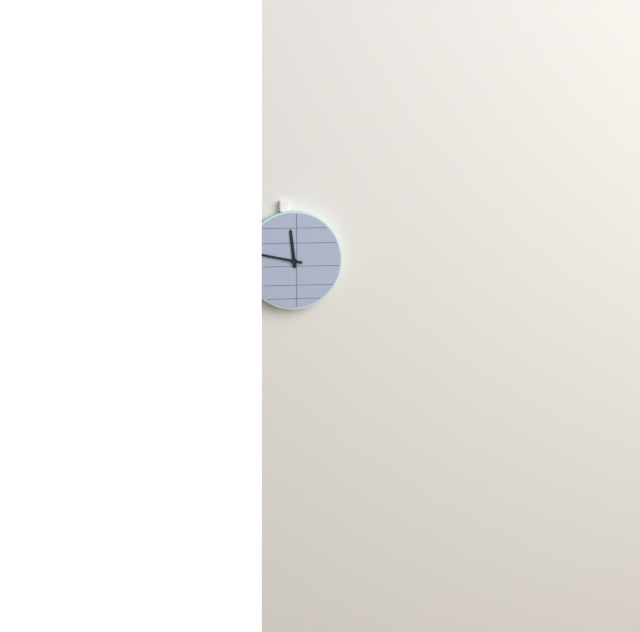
11:47
